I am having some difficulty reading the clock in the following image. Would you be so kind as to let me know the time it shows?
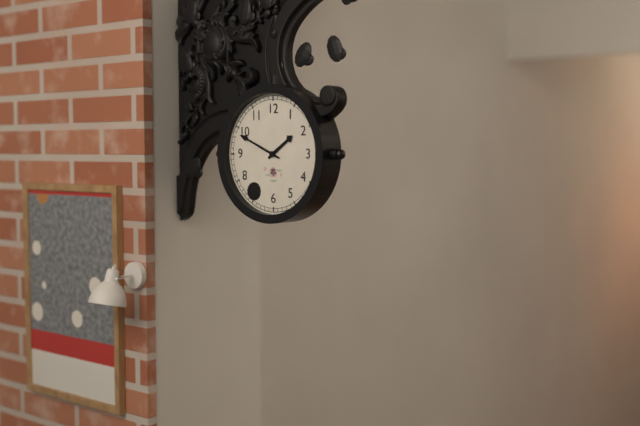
1:49
